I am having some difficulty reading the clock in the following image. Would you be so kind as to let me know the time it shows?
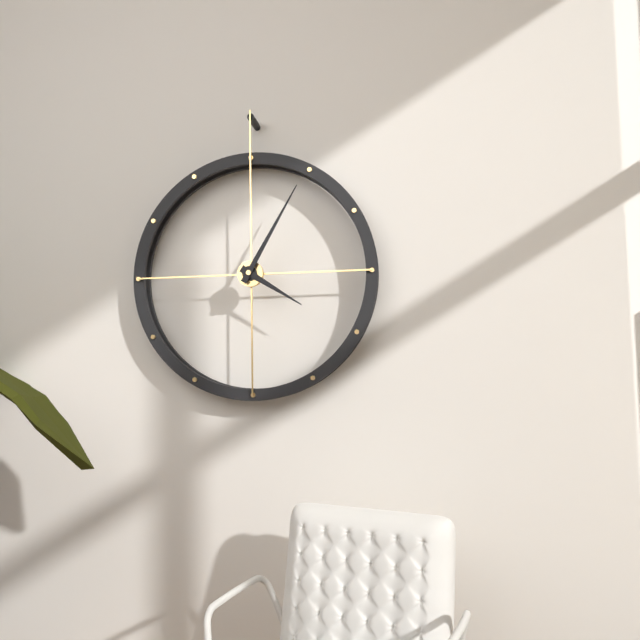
4:05
